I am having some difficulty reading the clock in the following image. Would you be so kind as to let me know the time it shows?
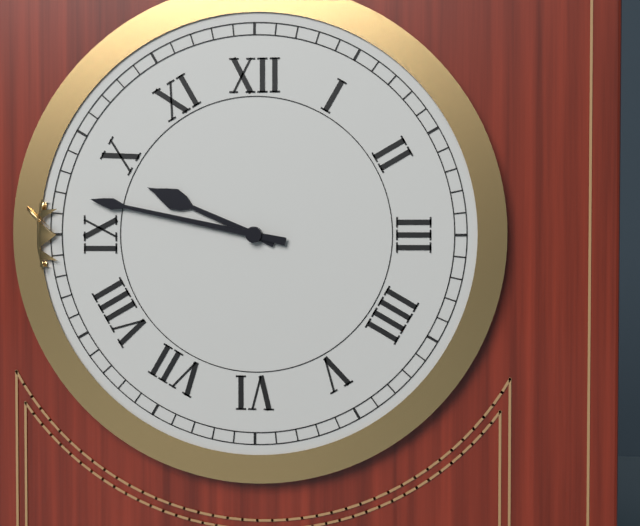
9:47
